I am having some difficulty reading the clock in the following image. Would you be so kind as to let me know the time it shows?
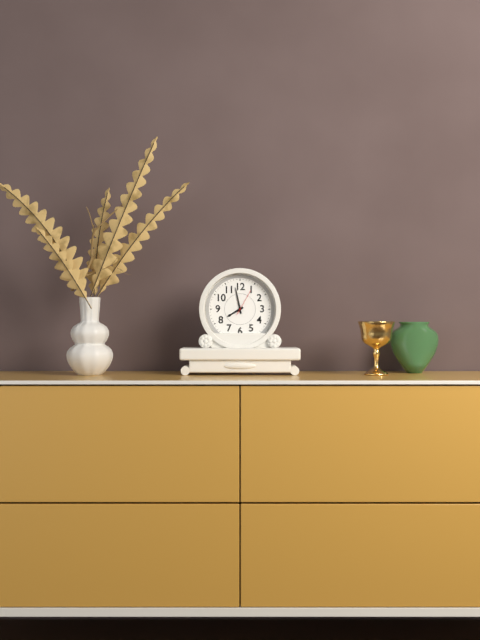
7:58
